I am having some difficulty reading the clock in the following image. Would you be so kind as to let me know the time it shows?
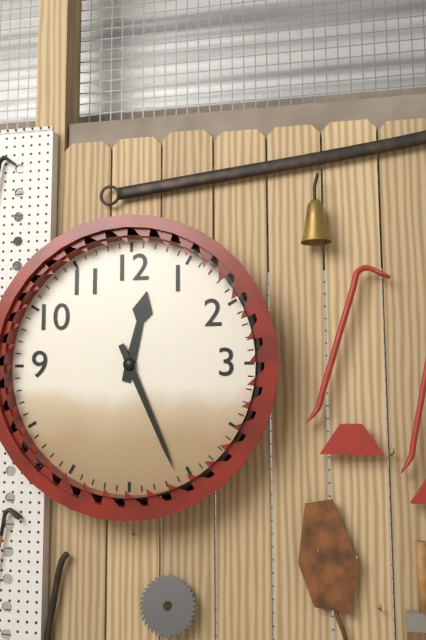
12:26
